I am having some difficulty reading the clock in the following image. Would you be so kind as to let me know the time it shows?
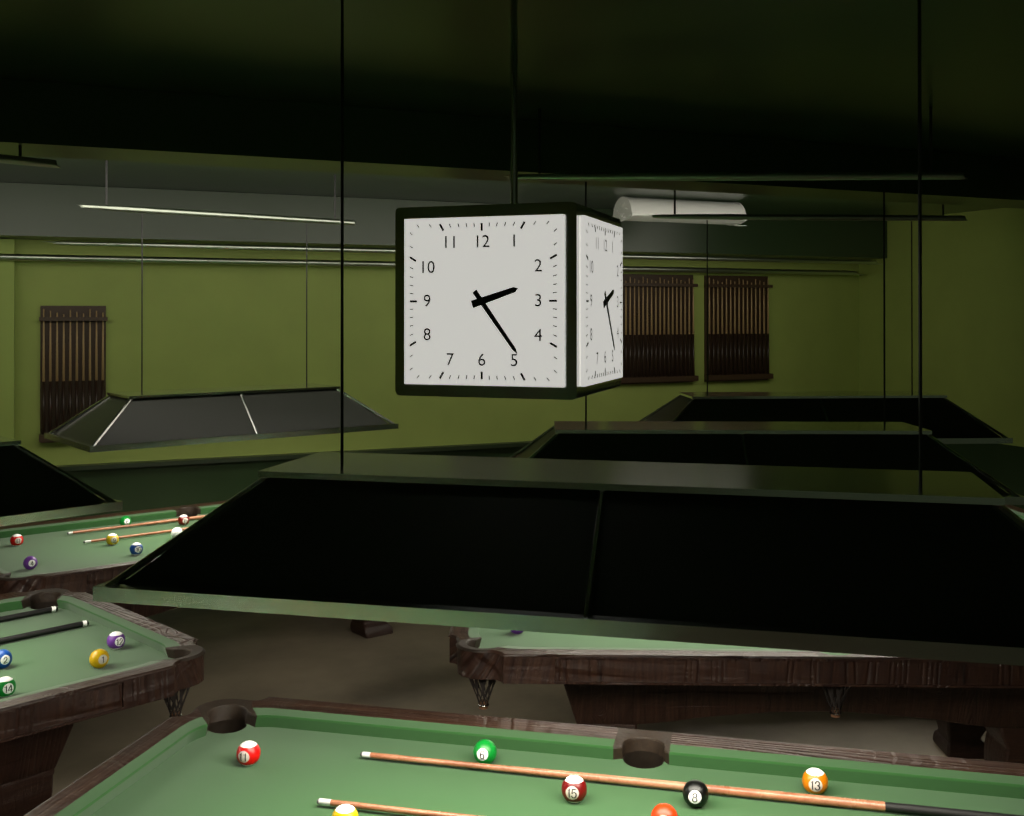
2:24
